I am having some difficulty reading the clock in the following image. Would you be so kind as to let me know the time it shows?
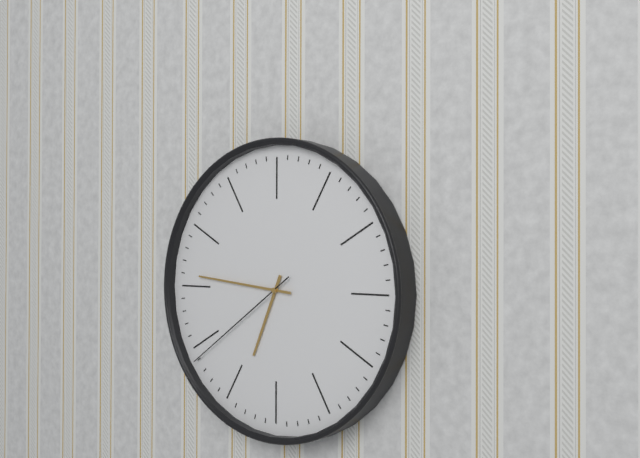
6:46:39
